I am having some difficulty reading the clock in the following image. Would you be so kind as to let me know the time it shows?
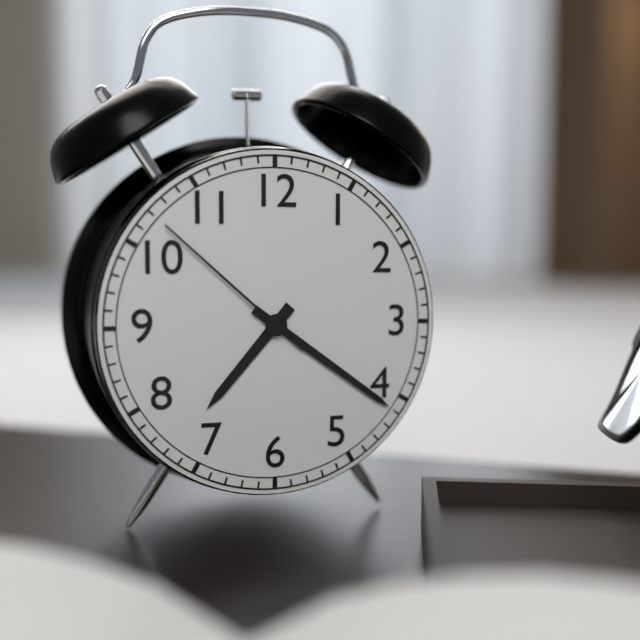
7:21:52
